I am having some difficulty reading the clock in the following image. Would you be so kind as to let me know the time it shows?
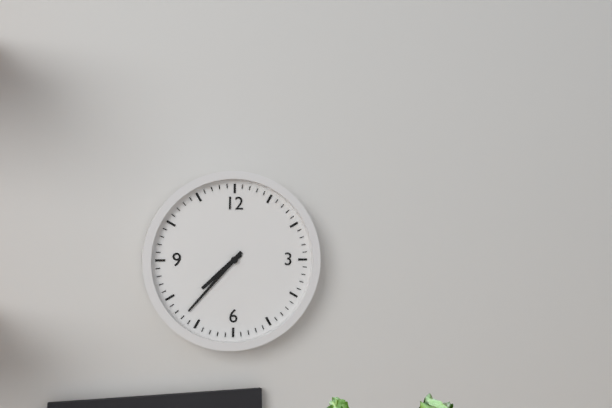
7:37
